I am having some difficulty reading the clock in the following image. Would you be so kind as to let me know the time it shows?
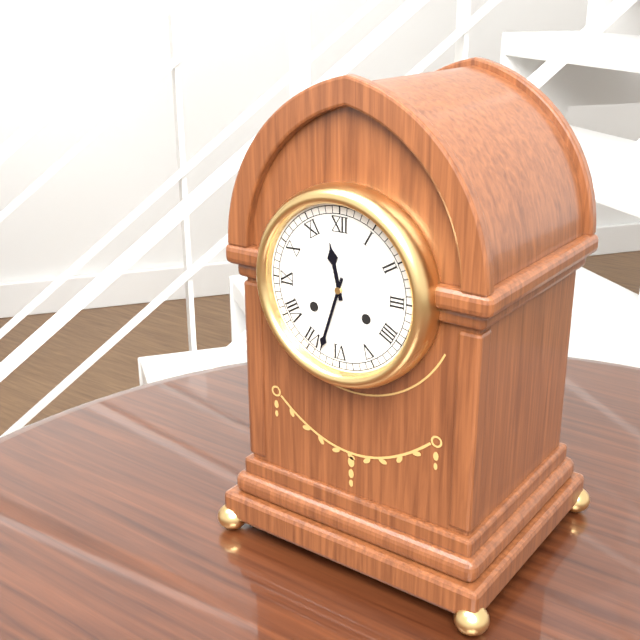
11:33
